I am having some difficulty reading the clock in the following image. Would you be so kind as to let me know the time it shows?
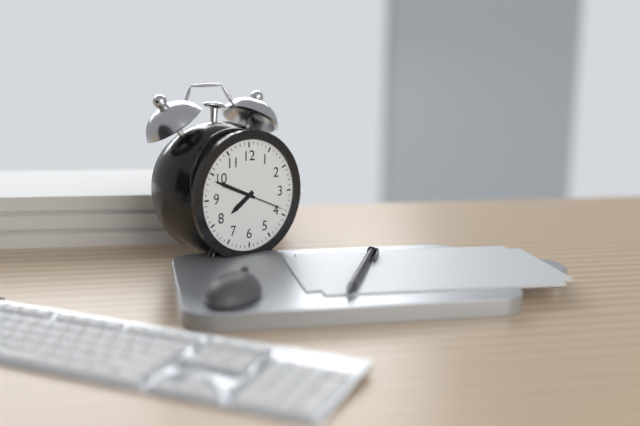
7:49
